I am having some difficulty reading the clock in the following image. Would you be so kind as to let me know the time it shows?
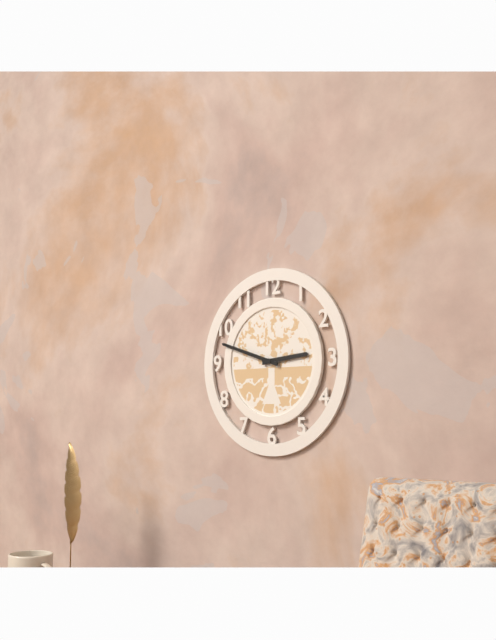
2:48
